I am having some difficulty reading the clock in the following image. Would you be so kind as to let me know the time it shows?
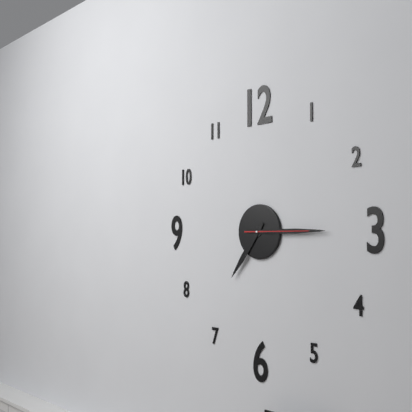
7:15:15
